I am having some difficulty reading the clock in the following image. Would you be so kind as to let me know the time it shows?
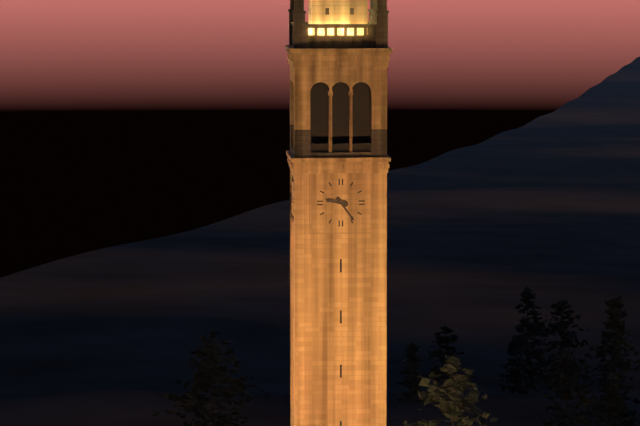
9:24
